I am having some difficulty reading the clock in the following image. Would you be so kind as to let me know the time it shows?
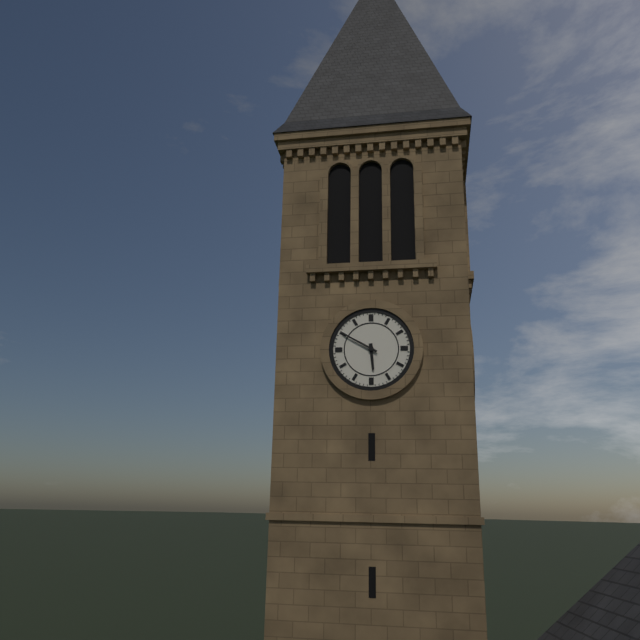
5:50
